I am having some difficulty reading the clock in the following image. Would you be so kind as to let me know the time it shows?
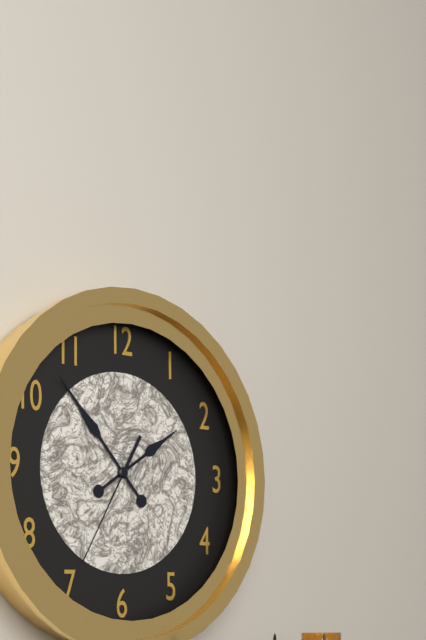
1:53:35
